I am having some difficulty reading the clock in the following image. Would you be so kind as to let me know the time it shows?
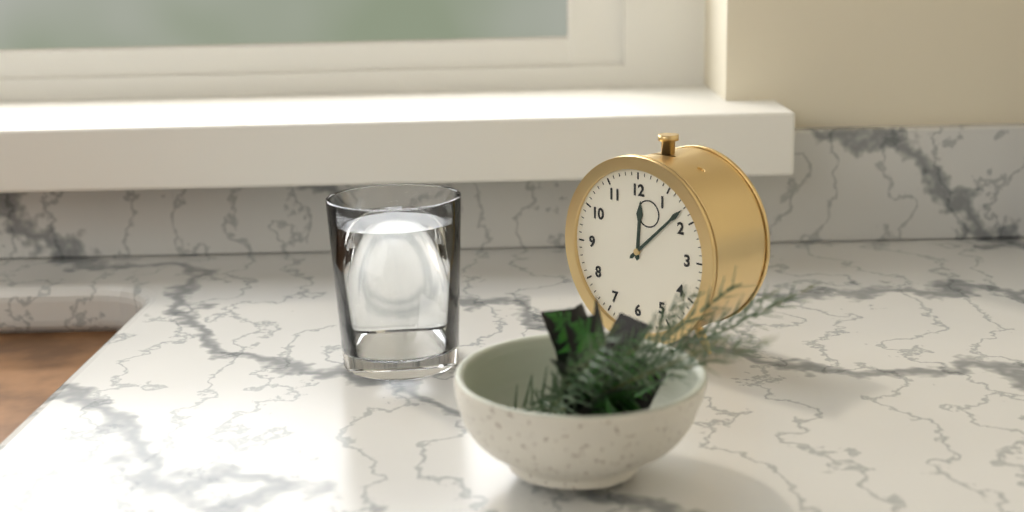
12:08
